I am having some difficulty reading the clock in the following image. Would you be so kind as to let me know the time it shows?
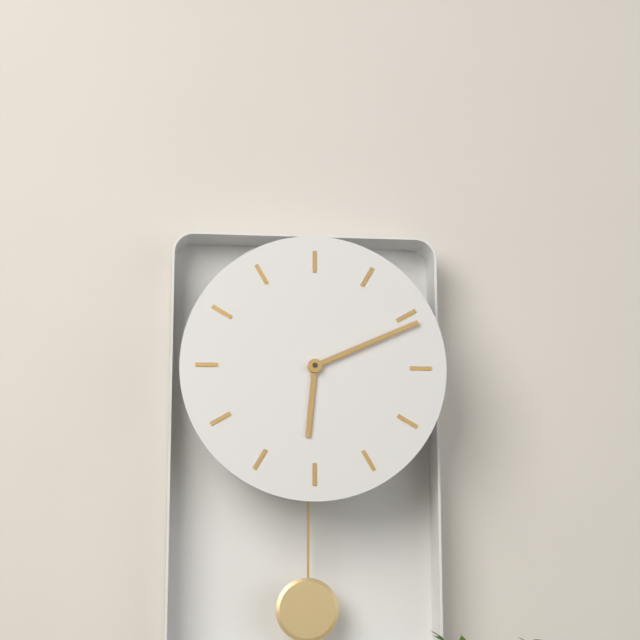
6:11
